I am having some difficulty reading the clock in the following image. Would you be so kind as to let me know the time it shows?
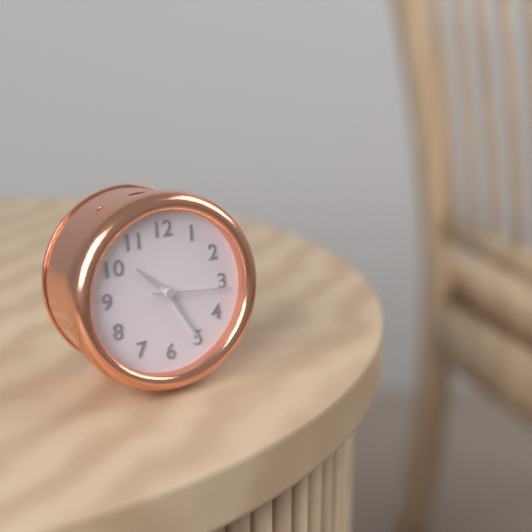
10:25:16
